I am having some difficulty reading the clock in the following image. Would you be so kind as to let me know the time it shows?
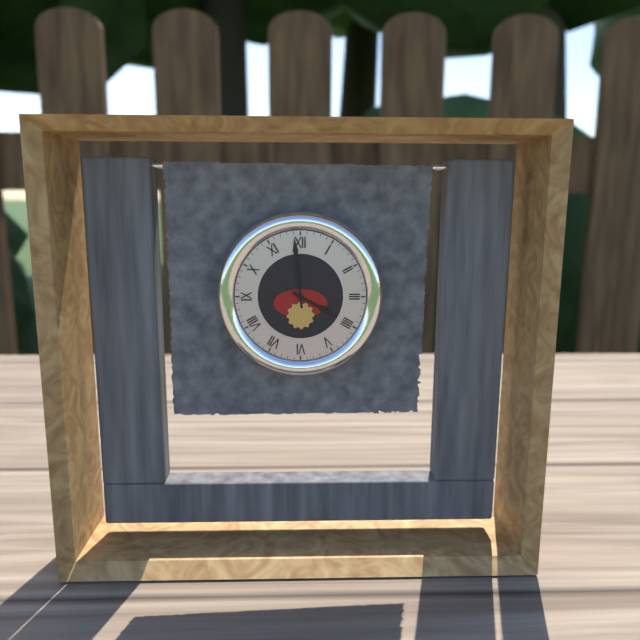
3:59
